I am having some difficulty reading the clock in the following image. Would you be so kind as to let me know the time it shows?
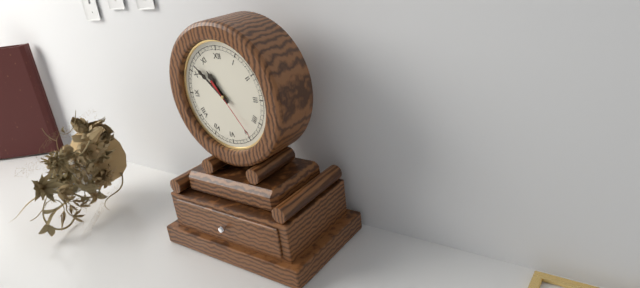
10:52:24
